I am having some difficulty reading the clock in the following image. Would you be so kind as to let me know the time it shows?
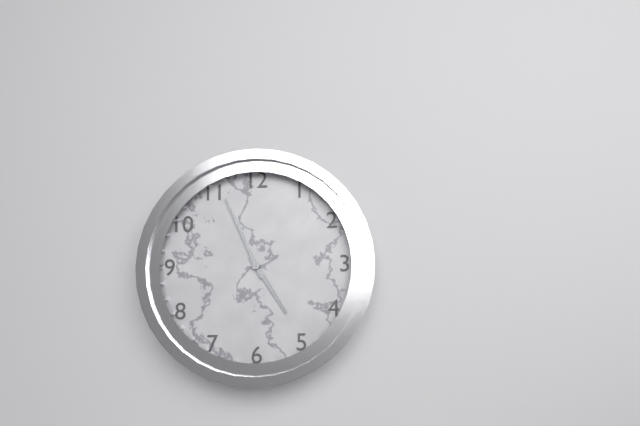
4:56
